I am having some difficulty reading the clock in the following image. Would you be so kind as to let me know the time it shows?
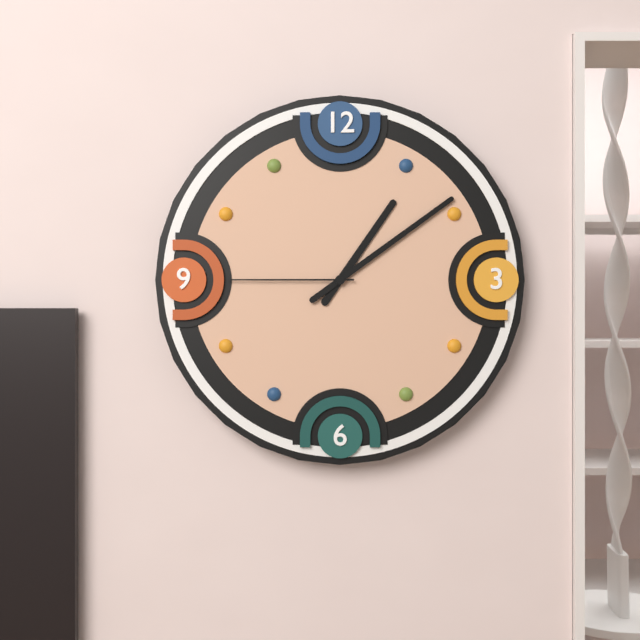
1:09:45
